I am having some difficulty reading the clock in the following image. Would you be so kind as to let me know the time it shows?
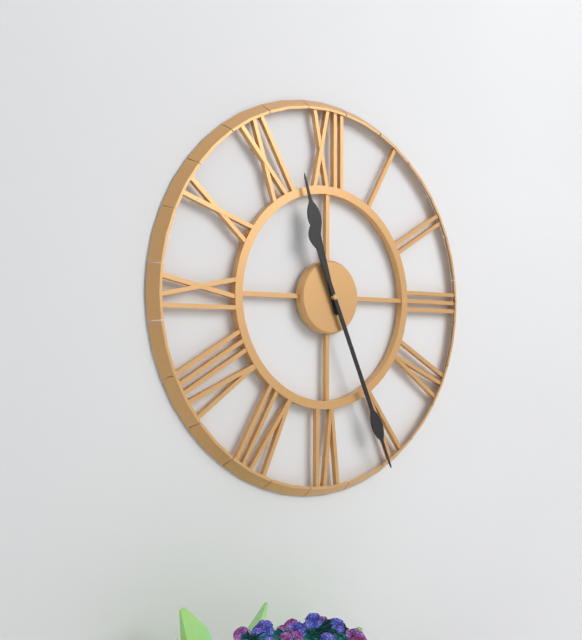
11:26
